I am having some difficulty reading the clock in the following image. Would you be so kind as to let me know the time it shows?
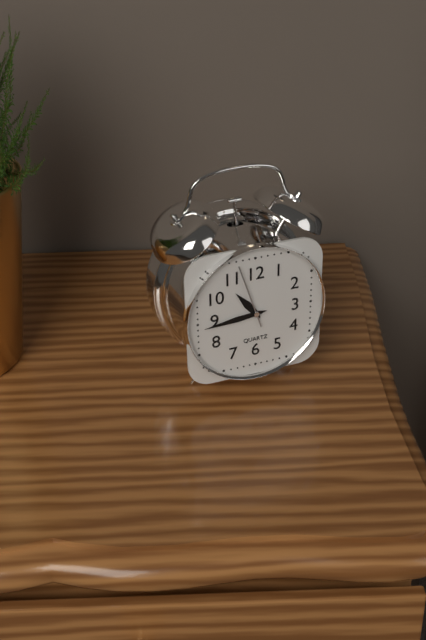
10:44:57
